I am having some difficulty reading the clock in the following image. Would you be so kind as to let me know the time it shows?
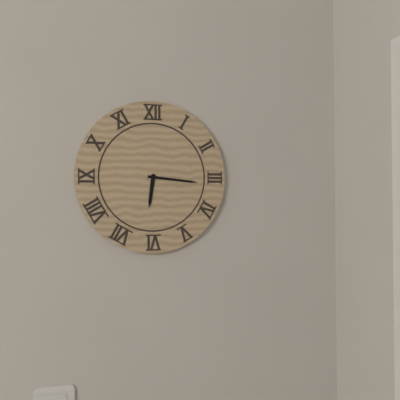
6:16
